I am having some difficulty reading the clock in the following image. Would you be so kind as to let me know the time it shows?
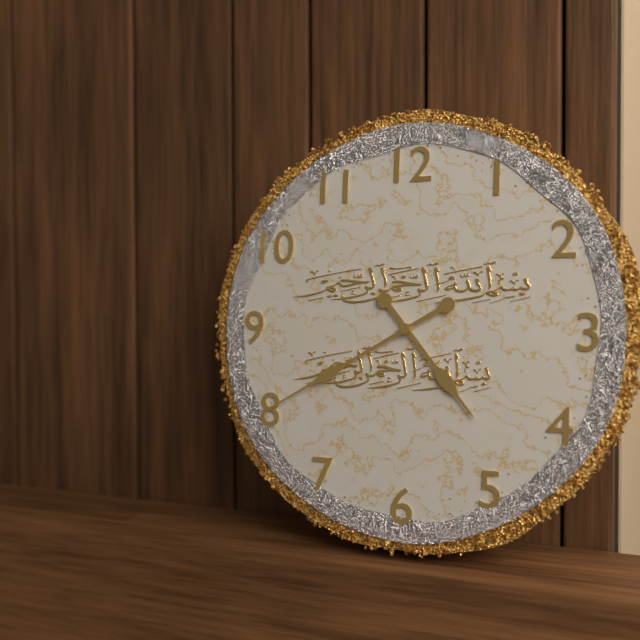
4:40
